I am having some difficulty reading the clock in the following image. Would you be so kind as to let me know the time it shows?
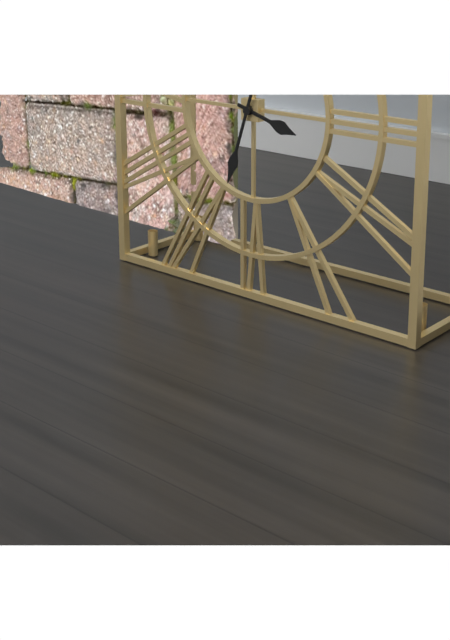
3:33
